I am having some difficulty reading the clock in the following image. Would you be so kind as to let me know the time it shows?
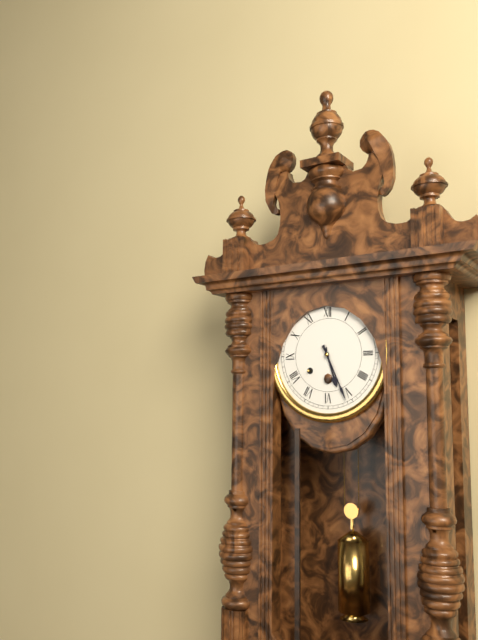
5:26
